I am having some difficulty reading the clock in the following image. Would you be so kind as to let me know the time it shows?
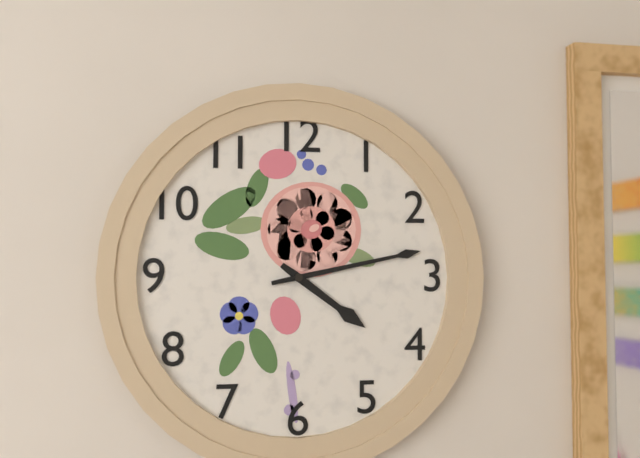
4:13
